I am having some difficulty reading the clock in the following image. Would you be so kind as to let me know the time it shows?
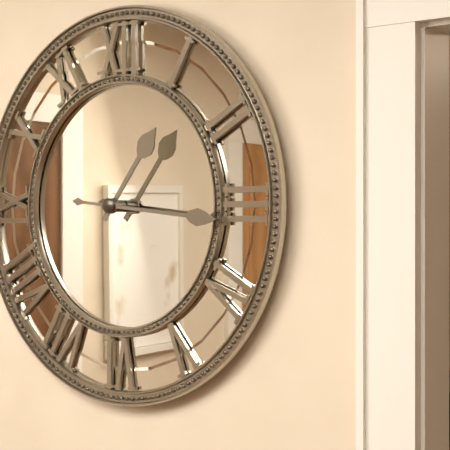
1:16
